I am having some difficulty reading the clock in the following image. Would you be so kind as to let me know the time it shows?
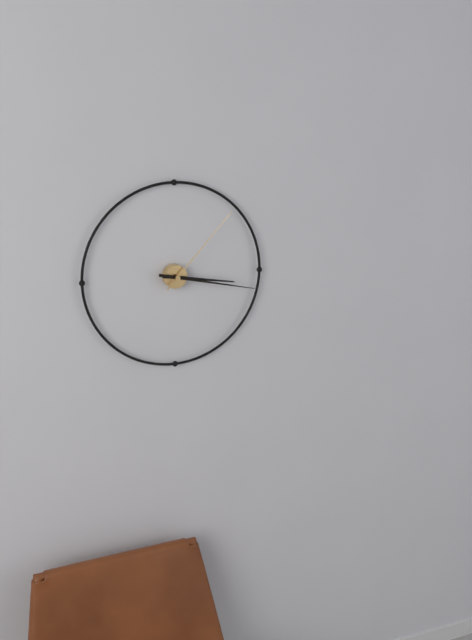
3:17:07
